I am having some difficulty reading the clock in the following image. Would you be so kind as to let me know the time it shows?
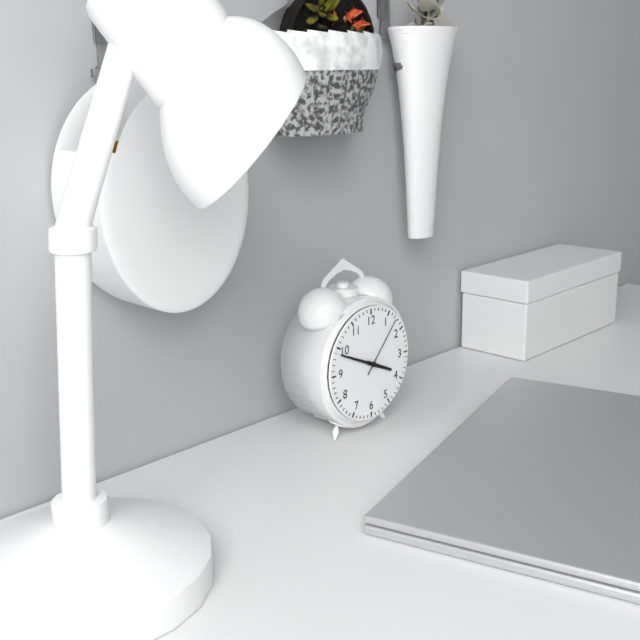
3:49:07
